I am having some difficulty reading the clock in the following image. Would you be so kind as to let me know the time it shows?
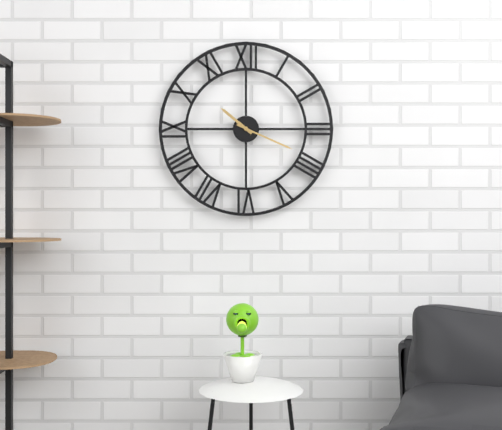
10:19
